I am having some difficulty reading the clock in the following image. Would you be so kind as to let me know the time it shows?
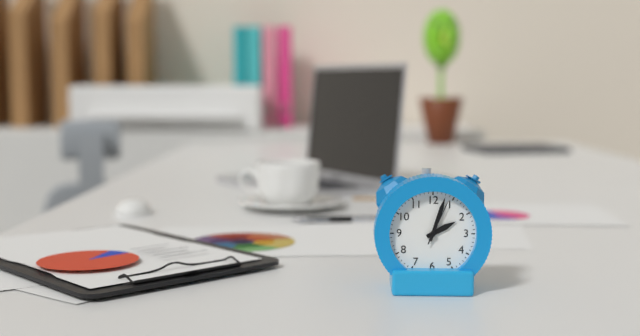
2:03
